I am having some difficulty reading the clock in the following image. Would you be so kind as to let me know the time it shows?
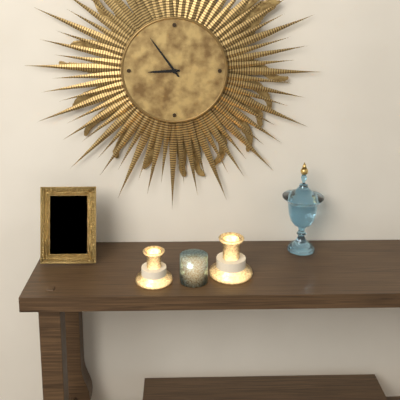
8:54
